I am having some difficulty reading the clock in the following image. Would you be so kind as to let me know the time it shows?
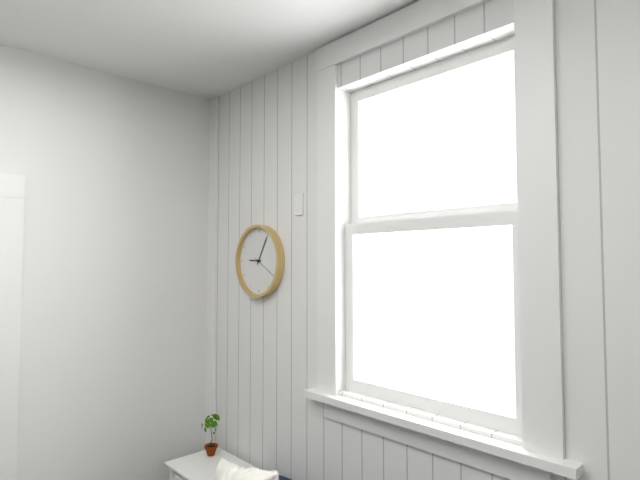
9:05
